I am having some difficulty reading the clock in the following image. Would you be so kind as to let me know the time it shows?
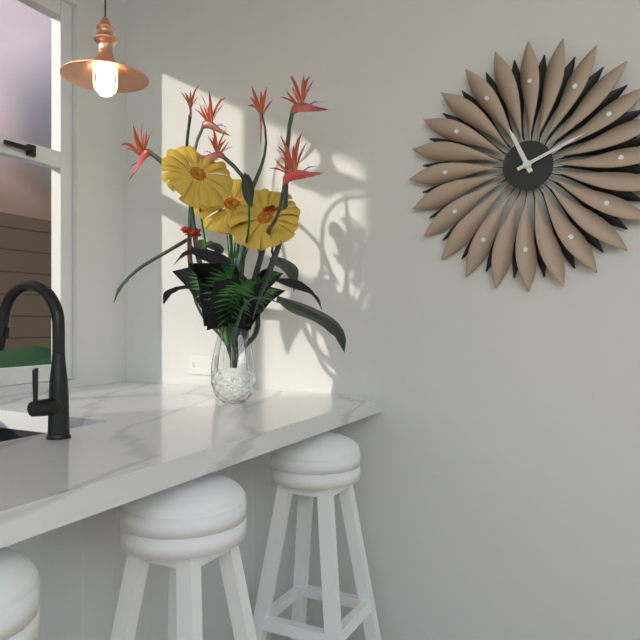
11:11
